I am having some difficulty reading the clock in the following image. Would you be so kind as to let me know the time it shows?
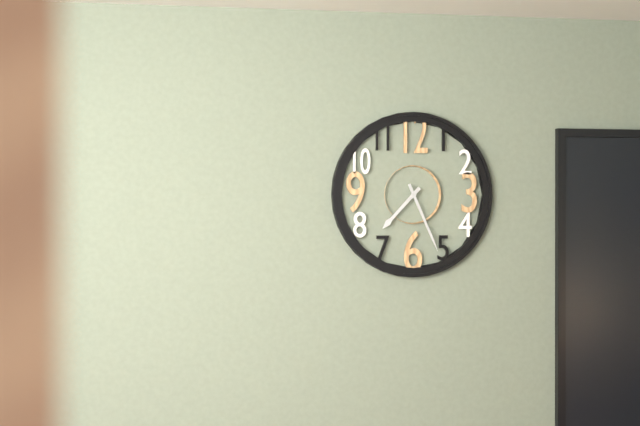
7:26
